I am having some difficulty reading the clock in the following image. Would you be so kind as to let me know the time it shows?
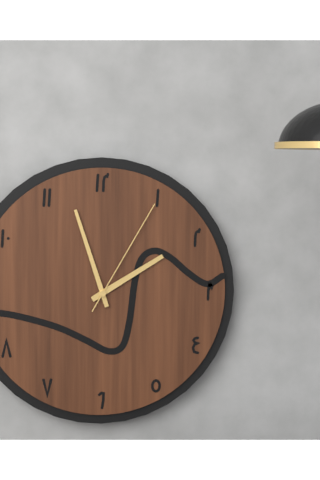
1:57:05
